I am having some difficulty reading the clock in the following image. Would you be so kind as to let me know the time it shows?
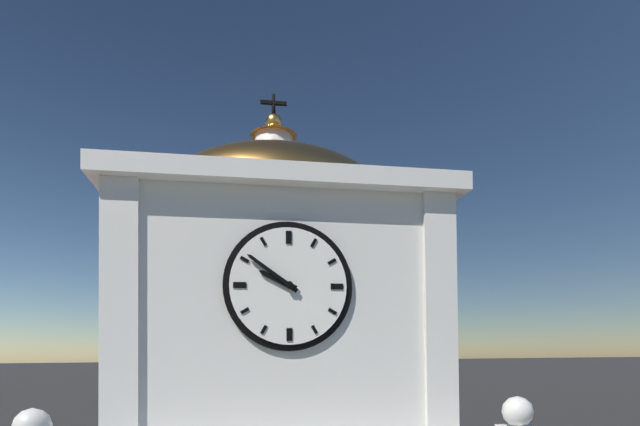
9:51
